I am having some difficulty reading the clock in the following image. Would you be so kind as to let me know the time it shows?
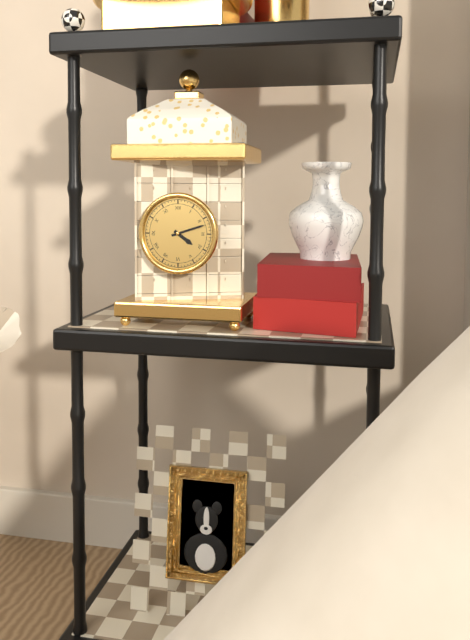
4:12
